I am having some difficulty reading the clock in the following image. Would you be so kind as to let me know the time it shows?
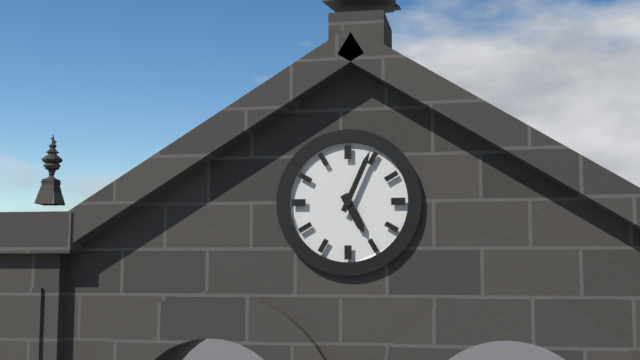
5:04
